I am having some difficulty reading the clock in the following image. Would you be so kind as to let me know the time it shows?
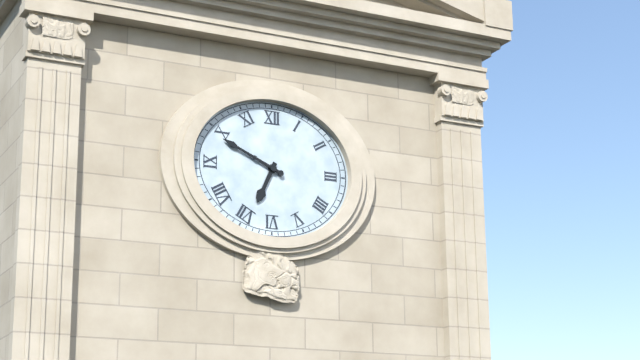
6:49
